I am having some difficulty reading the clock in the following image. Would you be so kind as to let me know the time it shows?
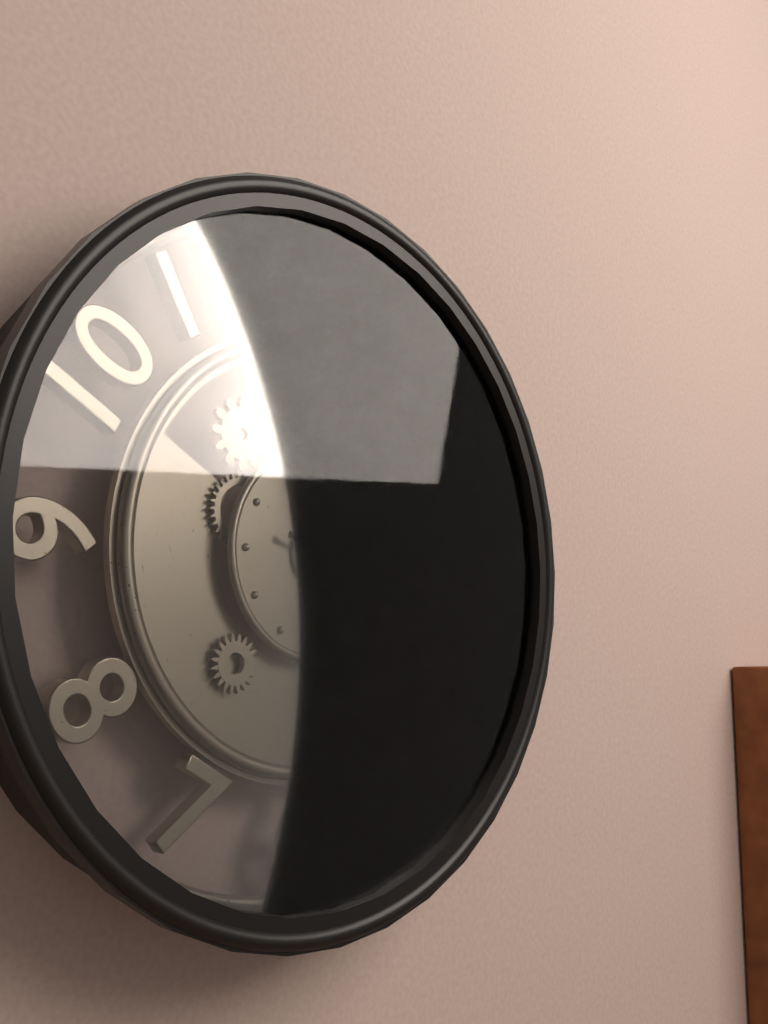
2:20:18
